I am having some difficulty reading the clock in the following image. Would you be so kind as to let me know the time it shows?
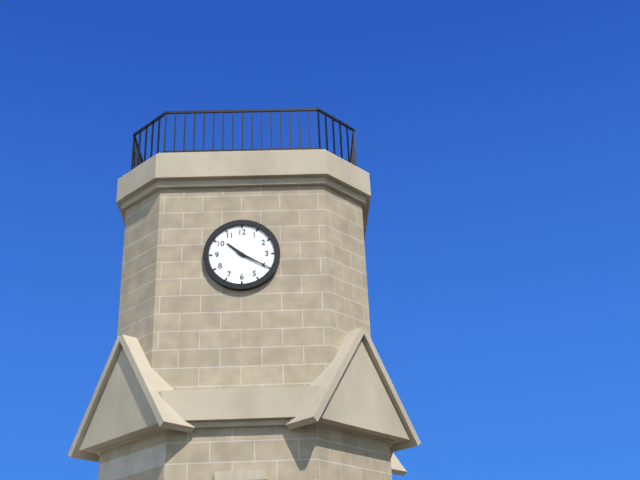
10:20
